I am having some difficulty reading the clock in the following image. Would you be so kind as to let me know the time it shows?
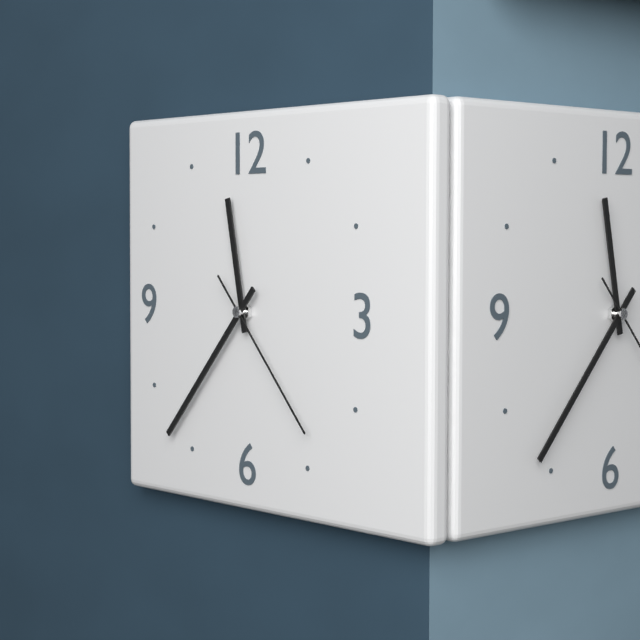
11:37:23
